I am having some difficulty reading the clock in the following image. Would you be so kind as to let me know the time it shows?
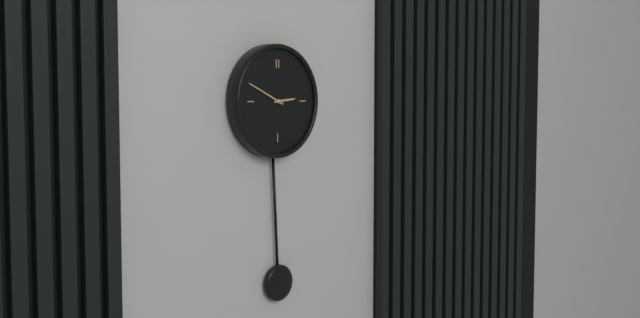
2:49
